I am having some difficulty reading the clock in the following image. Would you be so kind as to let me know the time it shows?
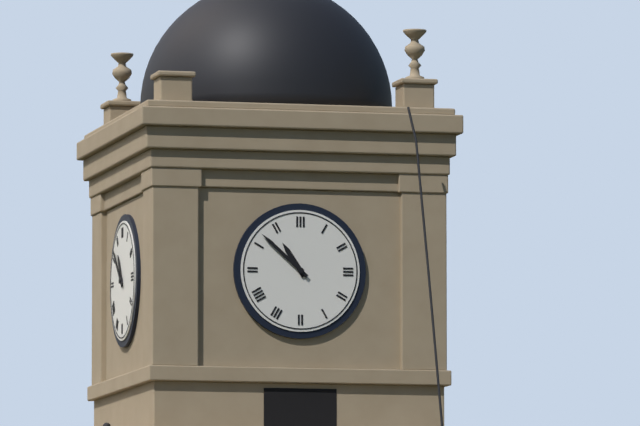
10:52
